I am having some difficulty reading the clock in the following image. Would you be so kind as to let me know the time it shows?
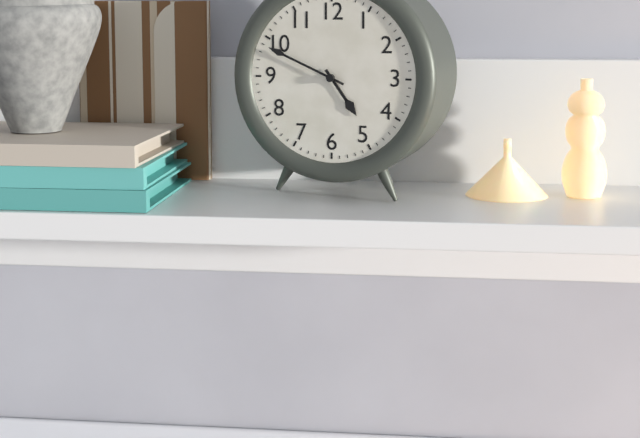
4:49
